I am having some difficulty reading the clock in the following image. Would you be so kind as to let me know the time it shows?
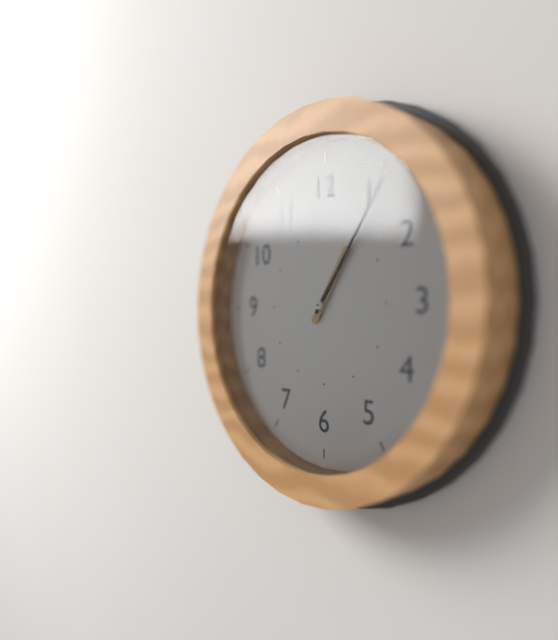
1:06
